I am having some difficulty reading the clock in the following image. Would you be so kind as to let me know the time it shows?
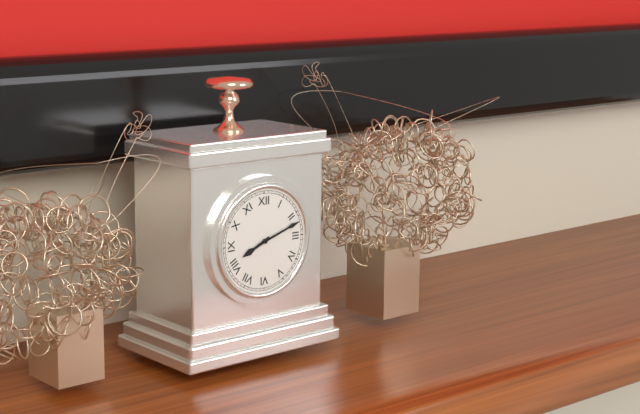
8:12
